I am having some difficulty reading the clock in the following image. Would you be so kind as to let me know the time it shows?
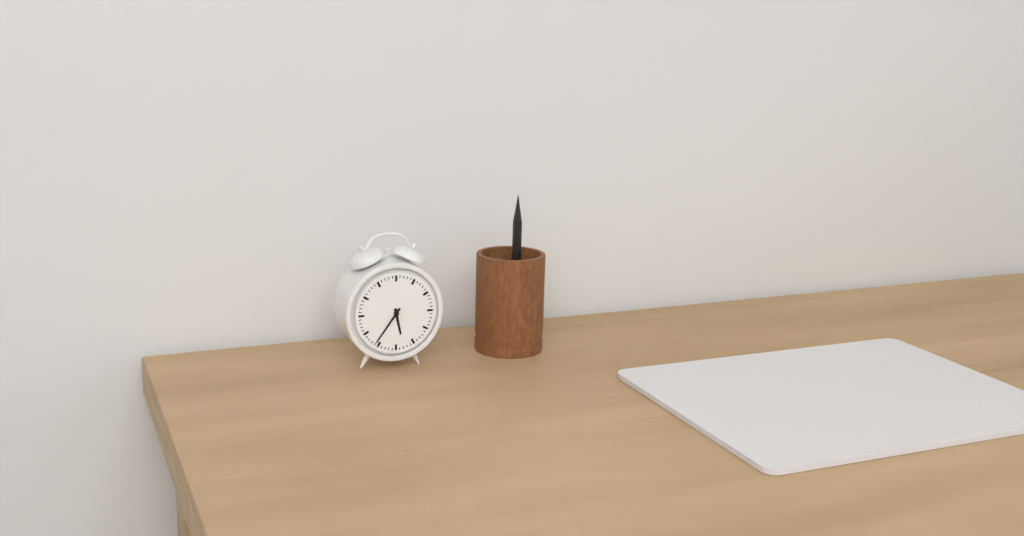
5:36
